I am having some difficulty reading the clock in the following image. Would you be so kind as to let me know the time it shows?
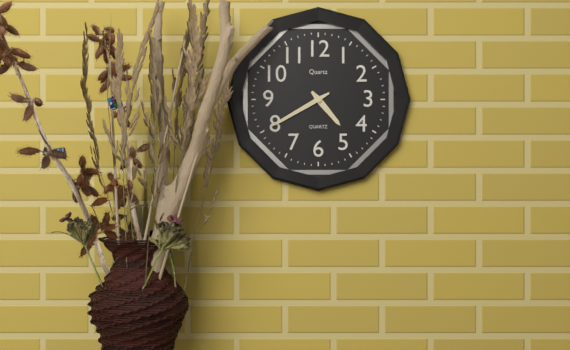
4:40
